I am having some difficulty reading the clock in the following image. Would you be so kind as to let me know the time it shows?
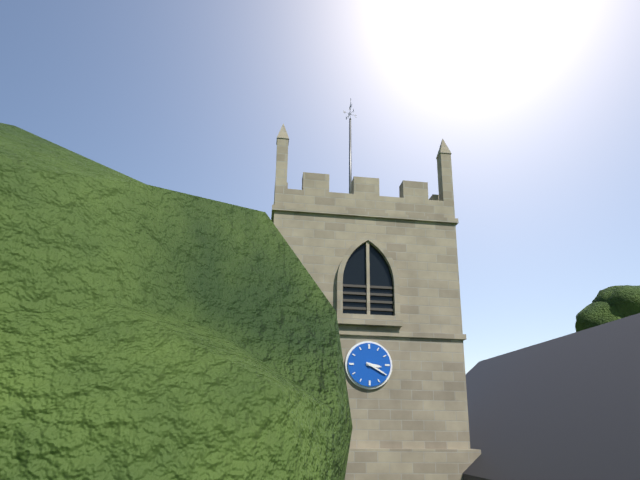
3:20
